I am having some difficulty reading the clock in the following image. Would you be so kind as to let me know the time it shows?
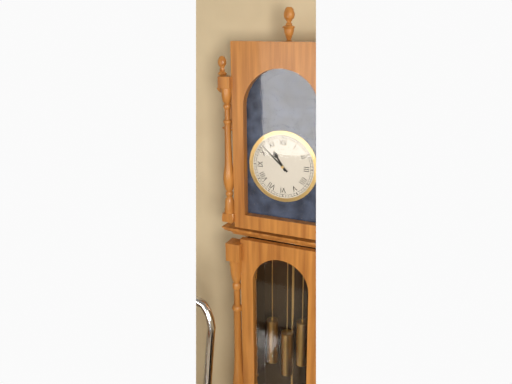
10:52
